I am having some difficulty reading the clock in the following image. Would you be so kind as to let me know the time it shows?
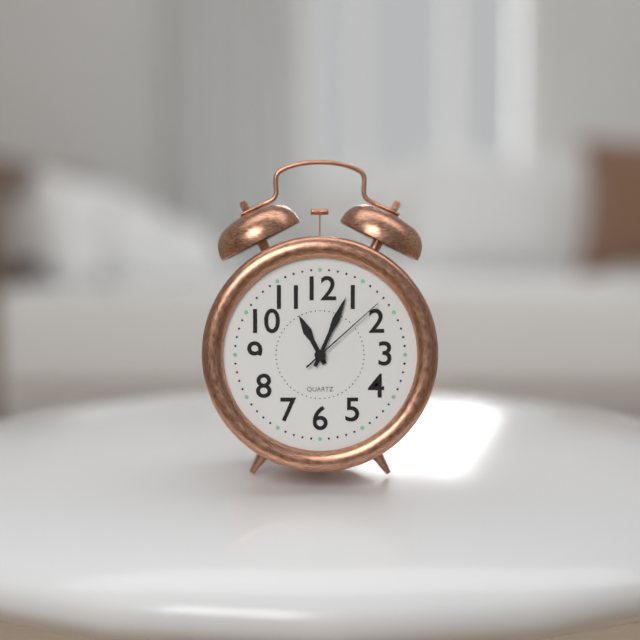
11:04:08
